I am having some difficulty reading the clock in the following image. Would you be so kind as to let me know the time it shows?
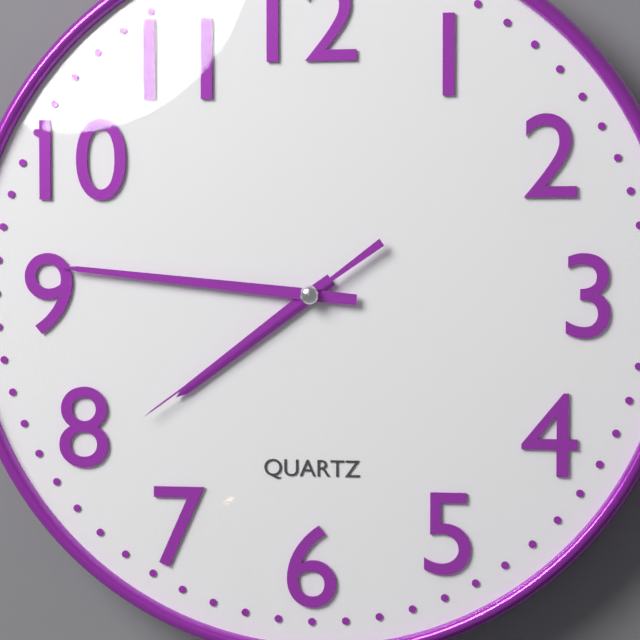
7:46:39
